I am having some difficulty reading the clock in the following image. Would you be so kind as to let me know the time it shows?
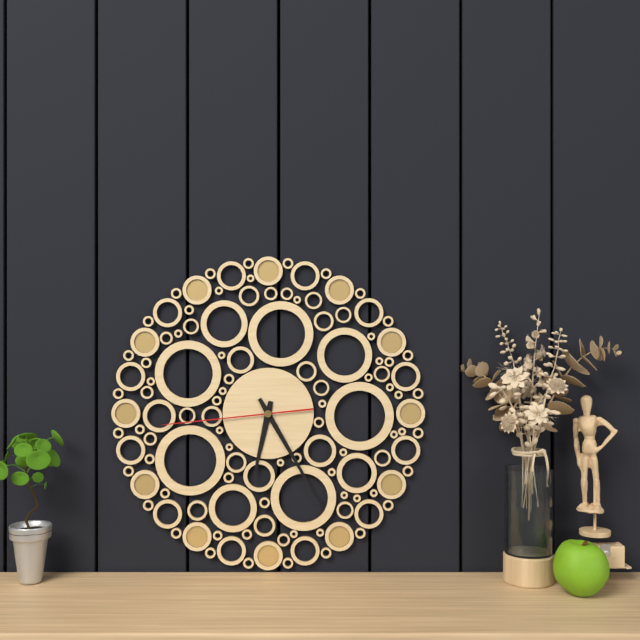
6:25:44
